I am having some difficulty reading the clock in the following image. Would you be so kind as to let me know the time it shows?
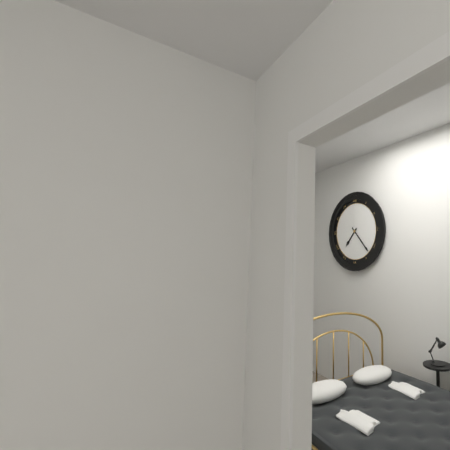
7:23
